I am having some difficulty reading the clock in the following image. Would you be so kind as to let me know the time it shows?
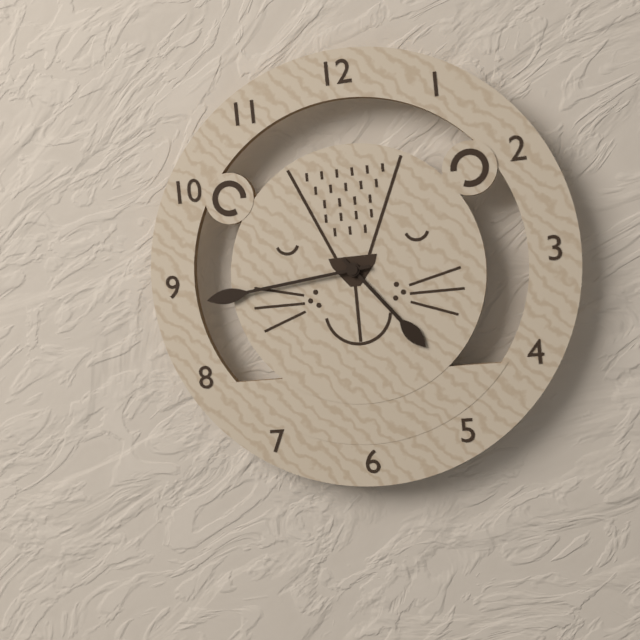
4:44
